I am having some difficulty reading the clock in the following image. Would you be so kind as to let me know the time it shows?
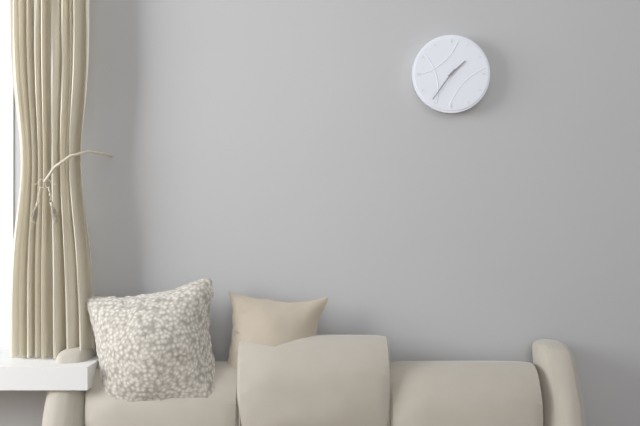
1:36
